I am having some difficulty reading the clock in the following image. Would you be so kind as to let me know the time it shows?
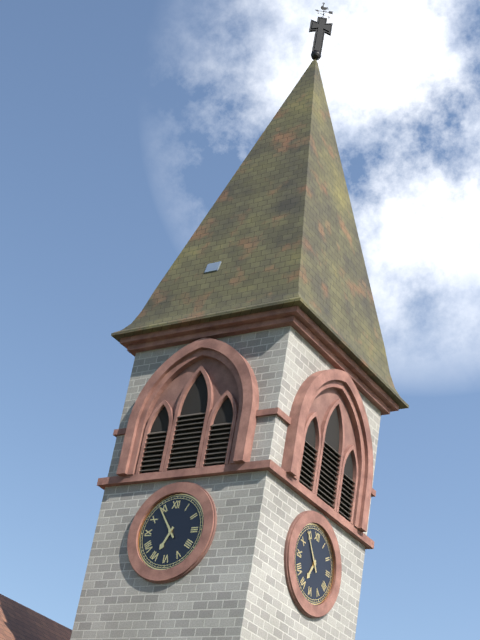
6:54
